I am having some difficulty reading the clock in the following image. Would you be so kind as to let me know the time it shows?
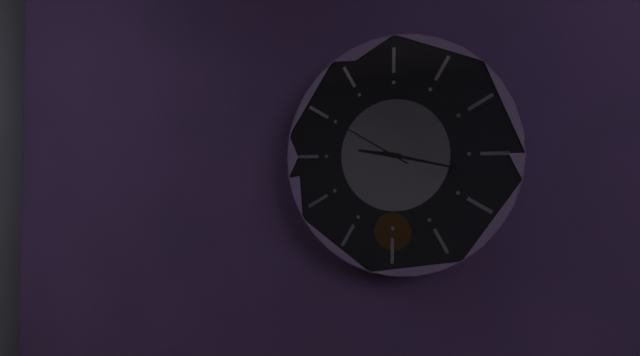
9:17:50
